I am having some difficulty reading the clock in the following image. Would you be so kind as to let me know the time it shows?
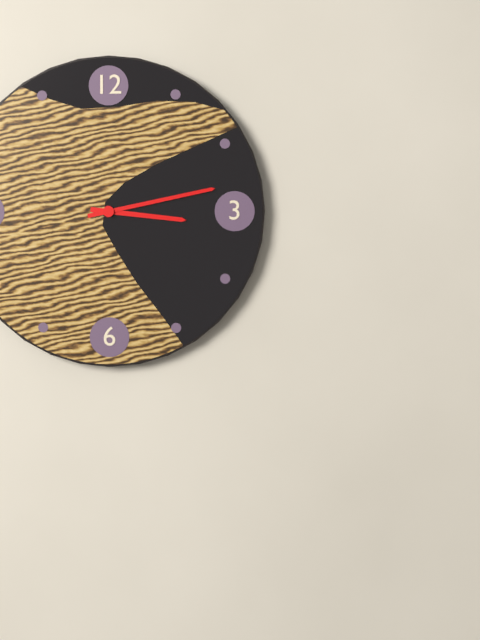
3:13
